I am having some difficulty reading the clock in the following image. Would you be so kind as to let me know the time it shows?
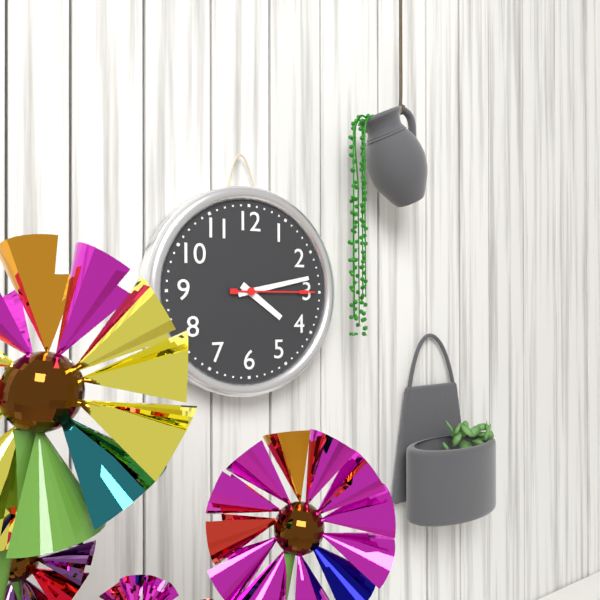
4:13:15
